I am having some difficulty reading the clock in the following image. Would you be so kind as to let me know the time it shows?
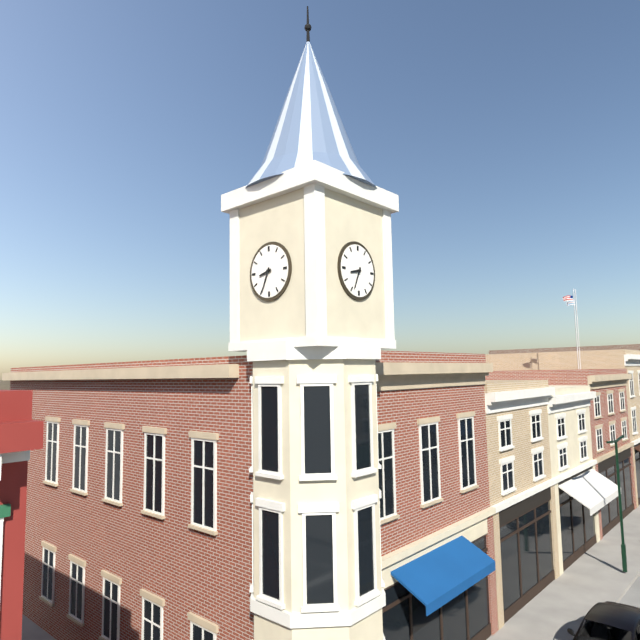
8:34
